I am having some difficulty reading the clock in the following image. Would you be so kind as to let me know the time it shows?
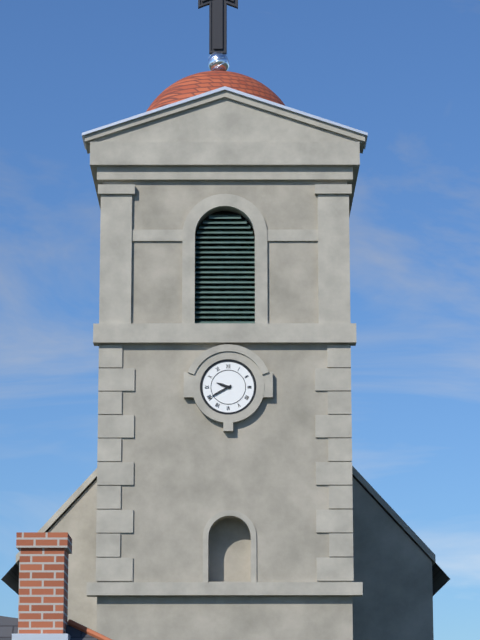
9:40
